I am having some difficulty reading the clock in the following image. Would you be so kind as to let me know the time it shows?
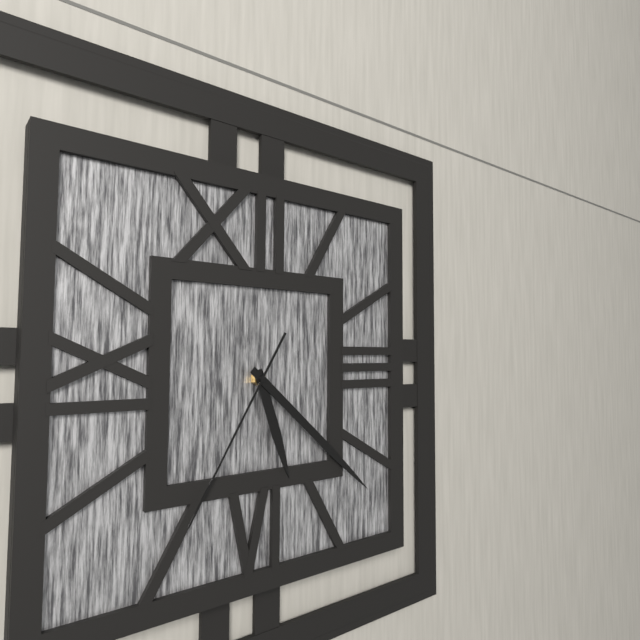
5:22:35
